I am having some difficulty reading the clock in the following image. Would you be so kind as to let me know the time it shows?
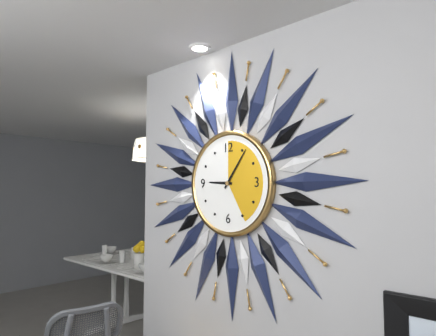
9:06
